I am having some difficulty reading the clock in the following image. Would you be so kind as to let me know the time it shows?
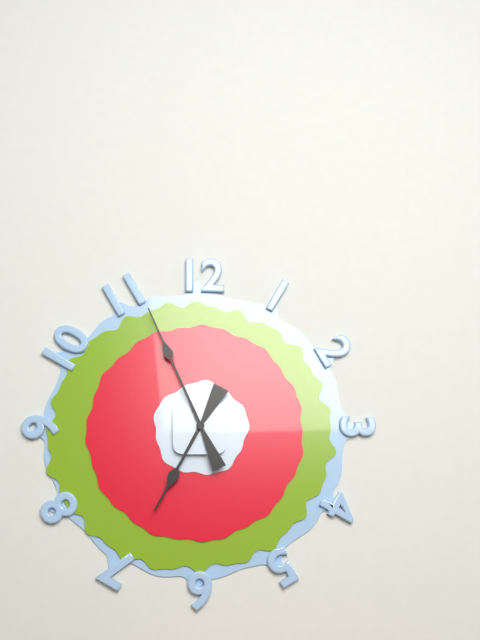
6:56
